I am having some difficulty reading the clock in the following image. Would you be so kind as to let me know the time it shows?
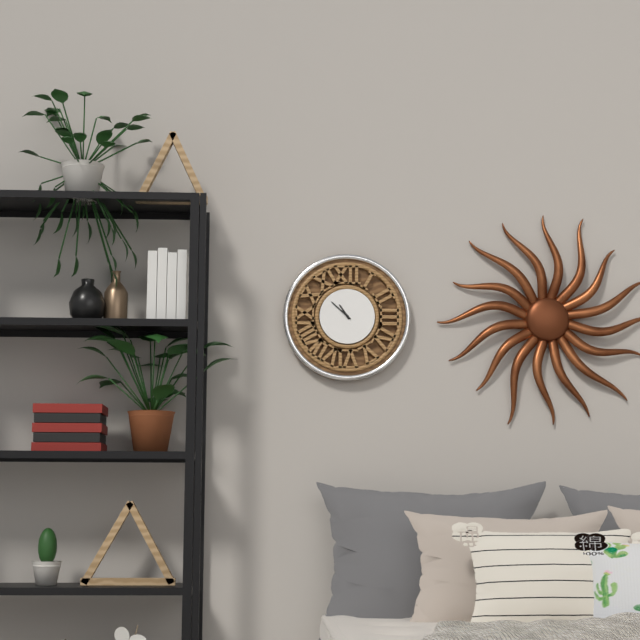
10:52
